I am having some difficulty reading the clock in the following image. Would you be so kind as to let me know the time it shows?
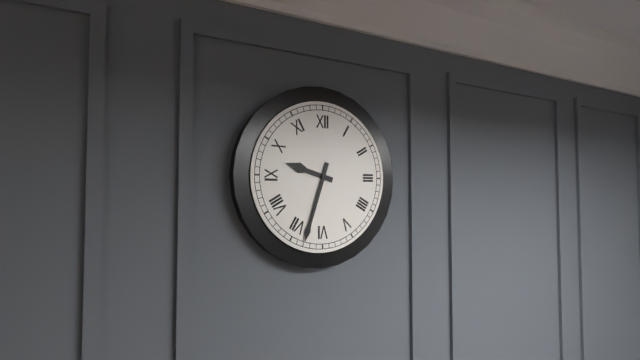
9:33
